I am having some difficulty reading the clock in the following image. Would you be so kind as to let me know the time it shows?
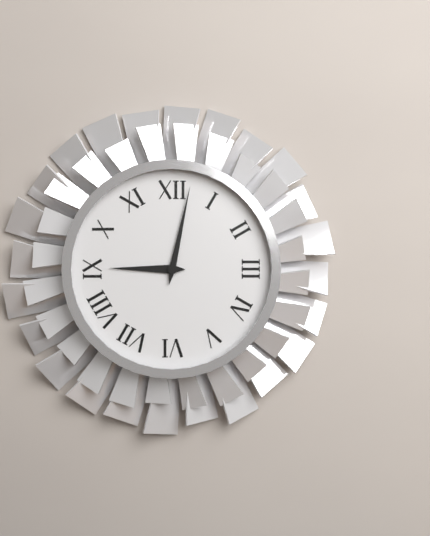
9:02
